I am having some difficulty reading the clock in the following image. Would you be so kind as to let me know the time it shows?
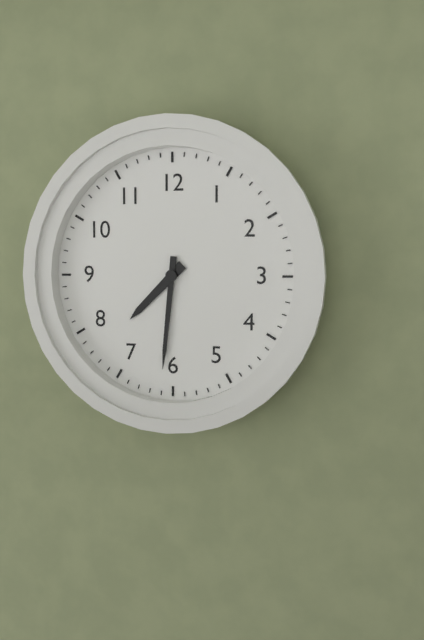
7:31
